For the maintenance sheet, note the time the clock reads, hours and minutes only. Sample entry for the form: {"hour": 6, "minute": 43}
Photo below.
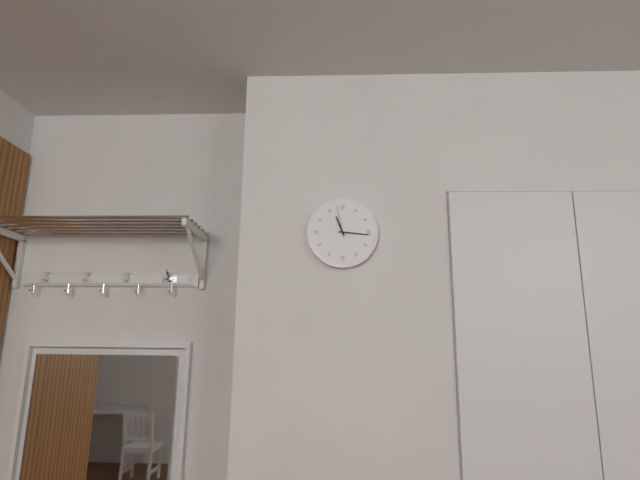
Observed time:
{"hour": 11, "minute": 16}
